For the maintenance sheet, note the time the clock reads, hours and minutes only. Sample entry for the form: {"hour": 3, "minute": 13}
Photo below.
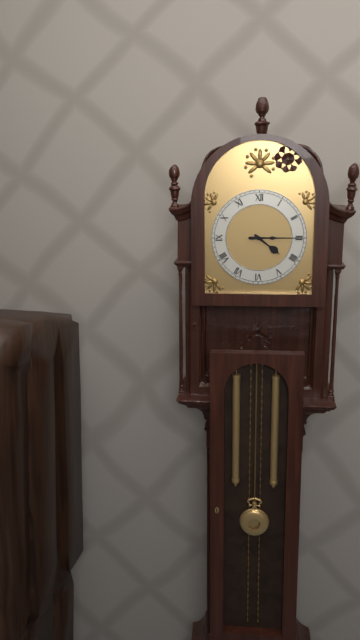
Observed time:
{"hour": 4, "minute": 15}
